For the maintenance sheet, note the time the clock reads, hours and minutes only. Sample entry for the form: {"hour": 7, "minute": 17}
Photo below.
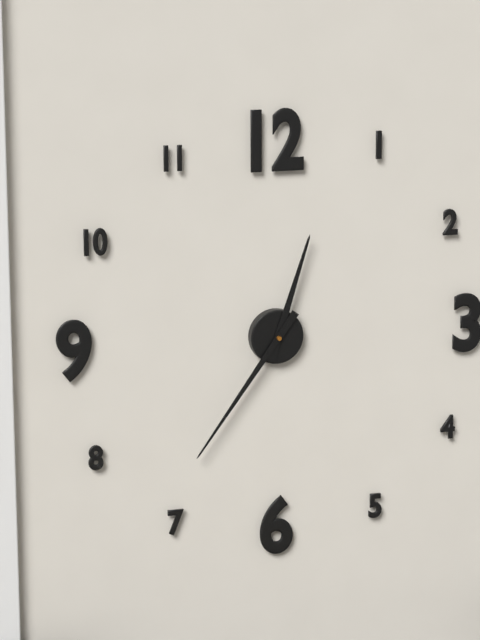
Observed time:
{"hour": 12, "minute": 36}
